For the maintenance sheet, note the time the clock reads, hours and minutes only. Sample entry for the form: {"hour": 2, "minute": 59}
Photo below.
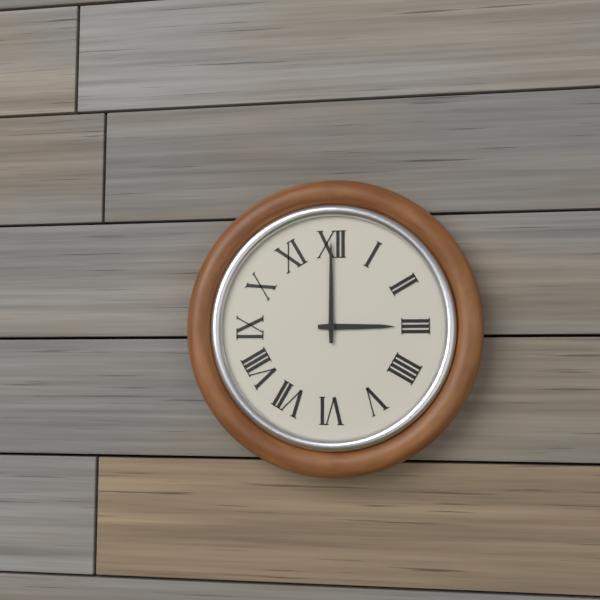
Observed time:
{"hour": 3, "minute": 0}
